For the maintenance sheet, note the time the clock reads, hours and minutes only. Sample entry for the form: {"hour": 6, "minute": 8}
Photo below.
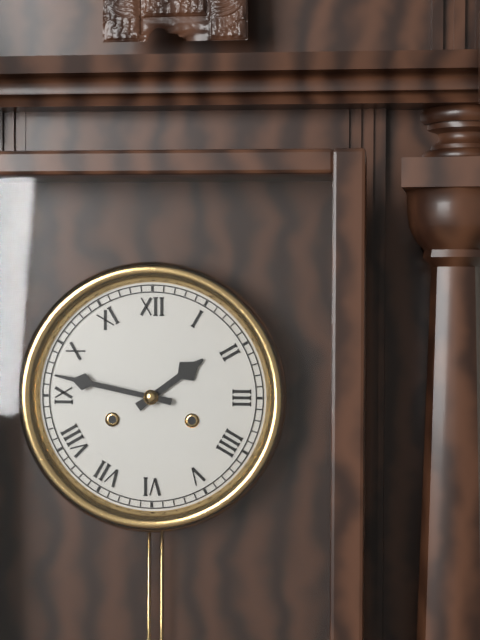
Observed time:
{"hour": 1, "minute": 47}
